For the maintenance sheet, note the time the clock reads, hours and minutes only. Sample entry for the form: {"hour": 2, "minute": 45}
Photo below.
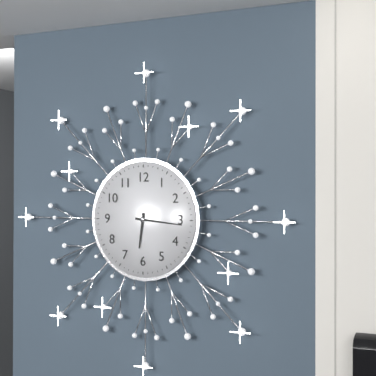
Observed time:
{"hour": 6, "minute": 16}
